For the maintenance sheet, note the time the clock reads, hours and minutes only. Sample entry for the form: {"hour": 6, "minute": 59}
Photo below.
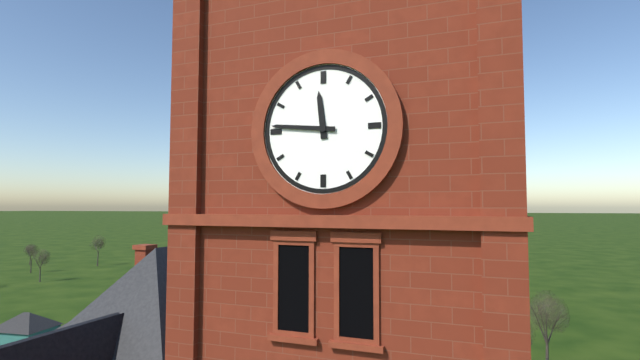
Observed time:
{"hour": 11, "minute": 46}
